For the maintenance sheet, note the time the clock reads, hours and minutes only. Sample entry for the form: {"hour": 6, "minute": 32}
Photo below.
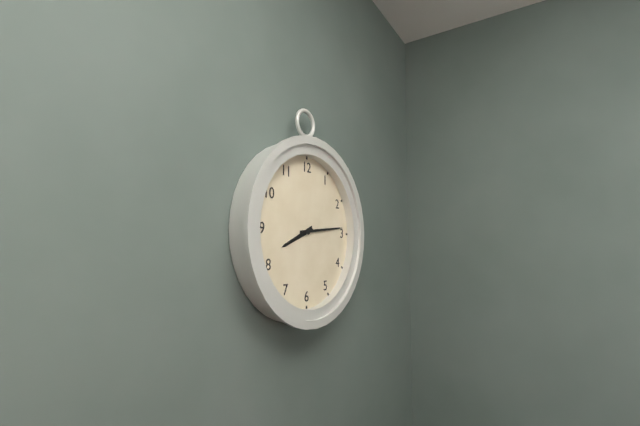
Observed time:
{"hour": 8, "minute": 14}
